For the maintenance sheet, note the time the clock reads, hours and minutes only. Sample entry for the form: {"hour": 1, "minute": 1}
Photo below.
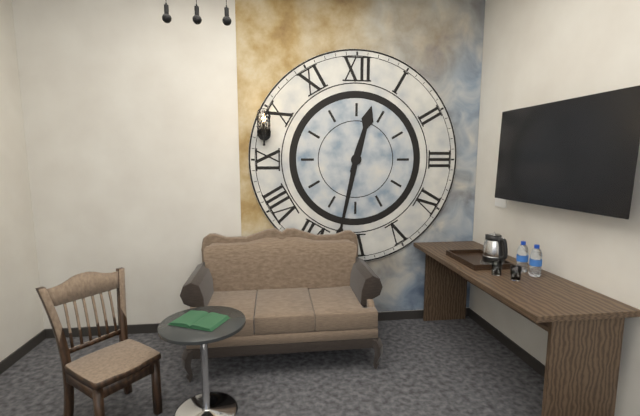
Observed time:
{"hour": 12, "minute": 32}
